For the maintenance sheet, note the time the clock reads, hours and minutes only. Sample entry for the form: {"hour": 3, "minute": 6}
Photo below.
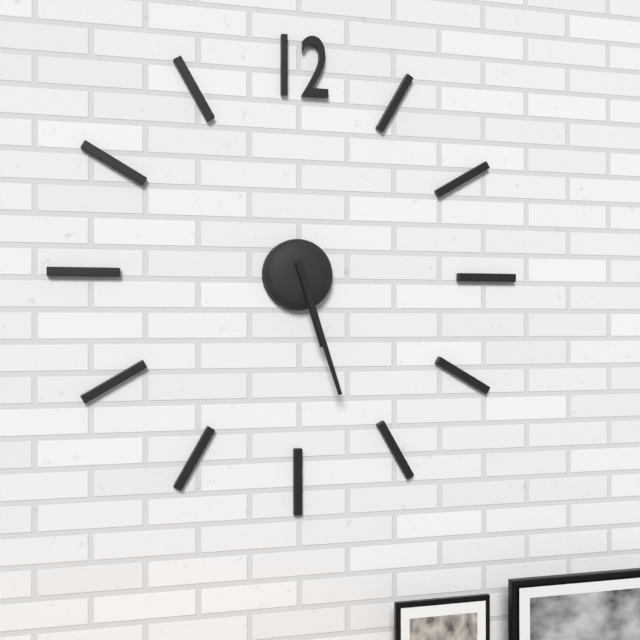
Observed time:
{"hour": 5, "minute": 27}
